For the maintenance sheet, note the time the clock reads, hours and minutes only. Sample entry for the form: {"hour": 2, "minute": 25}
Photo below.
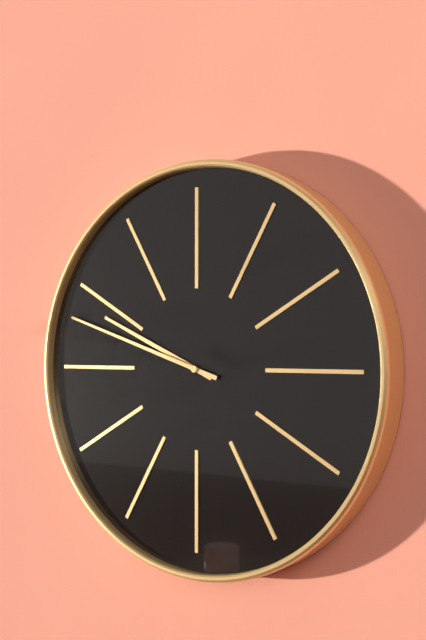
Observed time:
{"hour": 9, "minute": 48}
